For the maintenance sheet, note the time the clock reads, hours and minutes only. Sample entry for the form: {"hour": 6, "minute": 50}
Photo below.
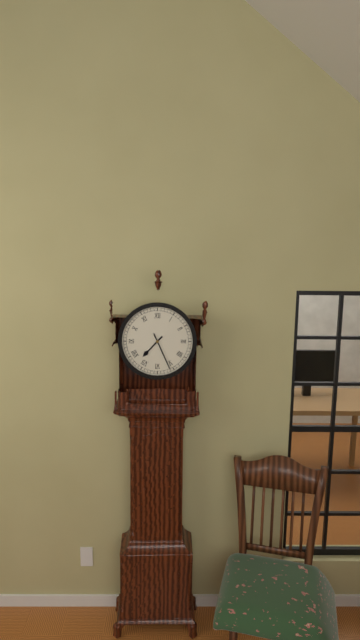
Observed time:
{"hour": 7, "minute": 26}
